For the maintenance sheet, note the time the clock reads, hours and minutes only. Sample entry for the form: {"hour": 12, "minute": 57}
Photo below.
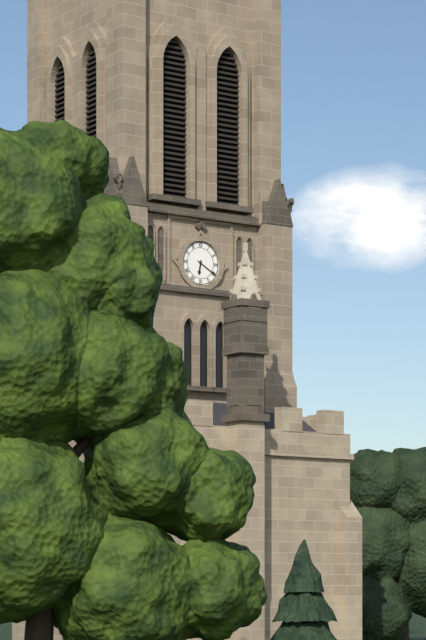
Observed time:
{"hour": 6, "minute": 20}
